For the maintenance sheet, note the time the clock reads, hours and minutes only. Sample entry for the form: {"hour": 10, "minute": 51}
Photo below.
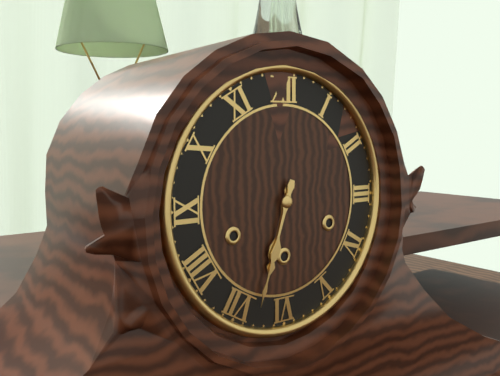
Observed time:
{"hour": 6, "minute": 33}
